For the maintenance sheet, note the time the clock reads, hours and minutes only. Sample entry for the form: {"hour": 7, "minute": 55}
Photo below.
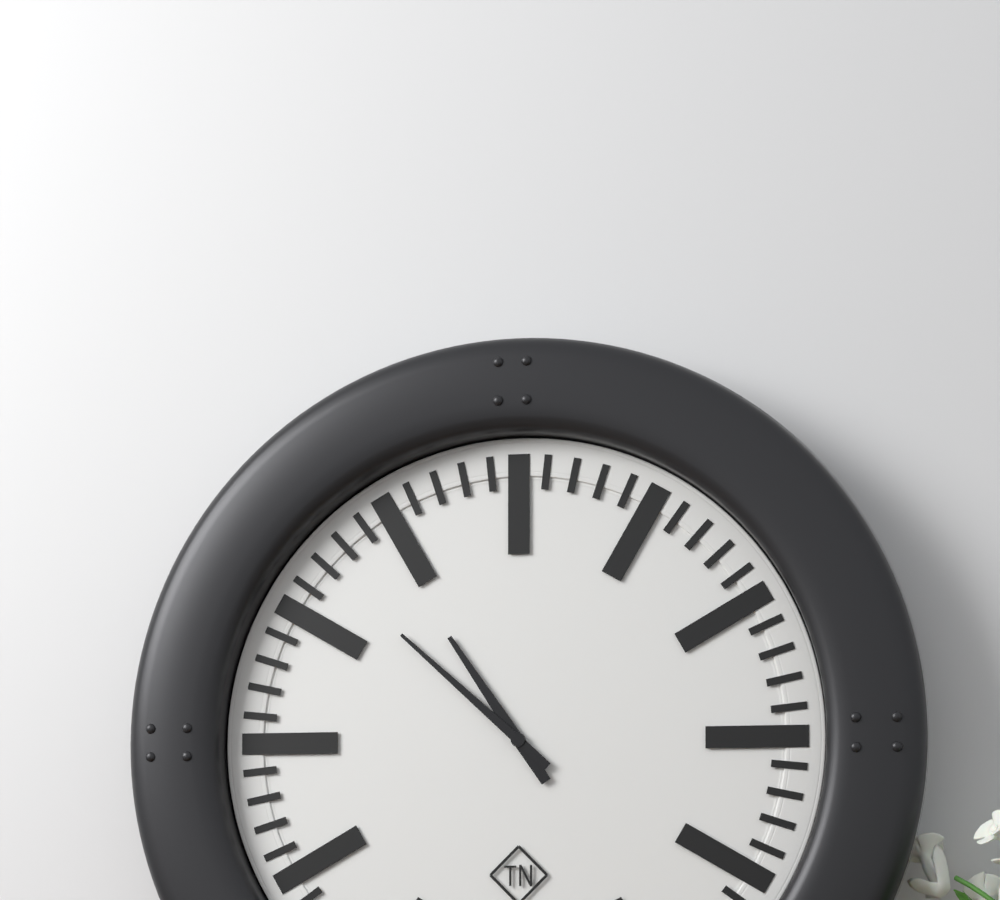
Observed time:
{"hour": 10, "minute": 52}
